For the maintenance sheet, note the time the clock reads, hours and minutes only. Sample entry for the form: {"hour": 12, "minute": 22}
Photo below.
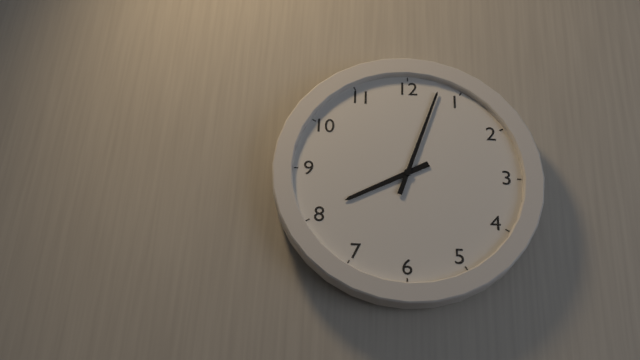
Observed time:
{"hour": 8, "minute": 3}
